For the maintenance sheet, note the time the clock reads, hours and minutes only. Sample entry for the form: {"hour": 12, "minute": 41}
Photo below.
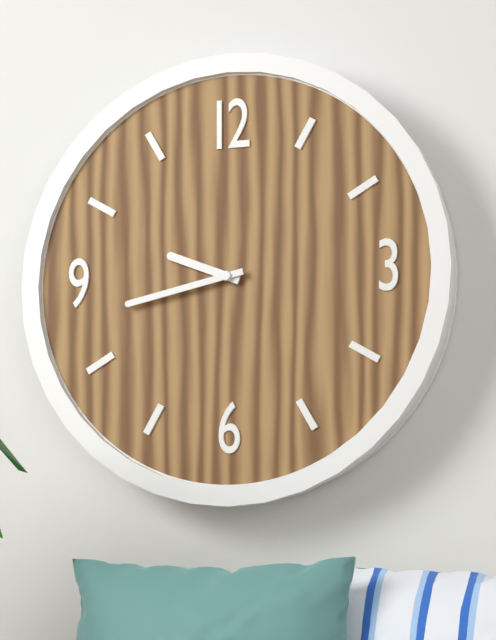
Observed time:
{"hour": 9, "minute": 43}
